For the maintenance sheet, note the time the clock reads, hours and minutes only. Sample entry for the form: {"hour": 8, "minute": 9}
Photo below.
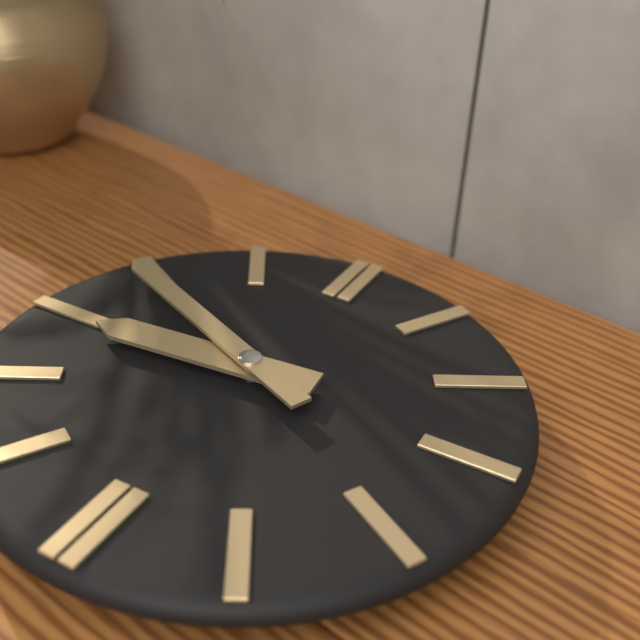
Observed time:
{"hour": 8, "minute": 49}
